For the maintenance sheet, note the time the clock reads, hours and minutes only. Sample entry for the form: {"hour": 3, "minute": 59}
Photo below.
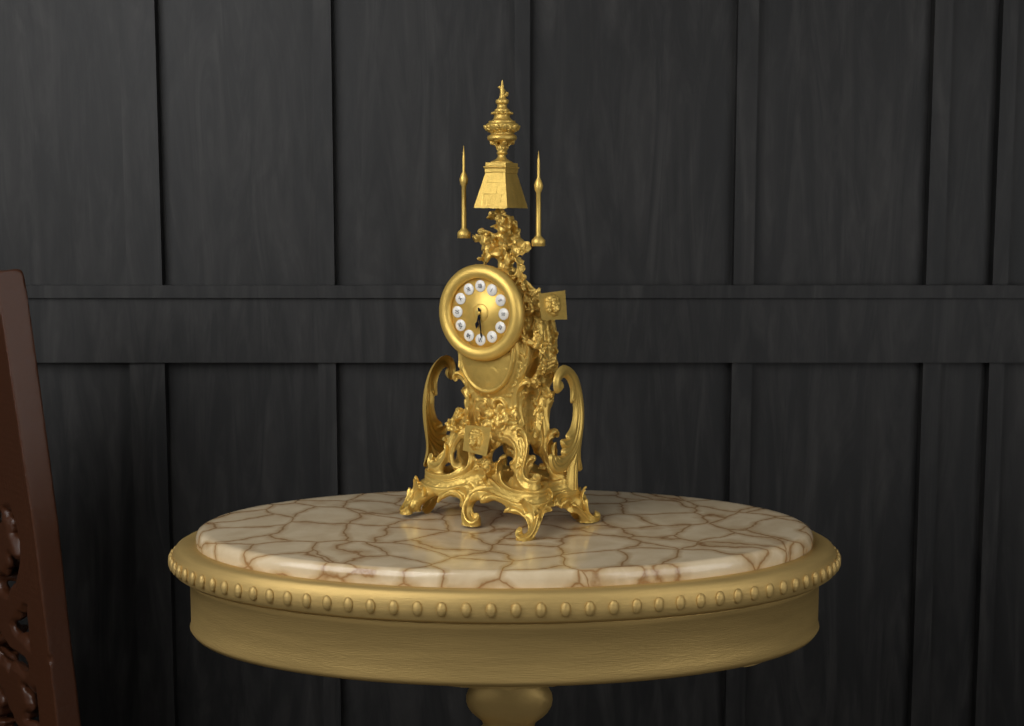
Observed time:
{"hour": 6, "minute": 29}
